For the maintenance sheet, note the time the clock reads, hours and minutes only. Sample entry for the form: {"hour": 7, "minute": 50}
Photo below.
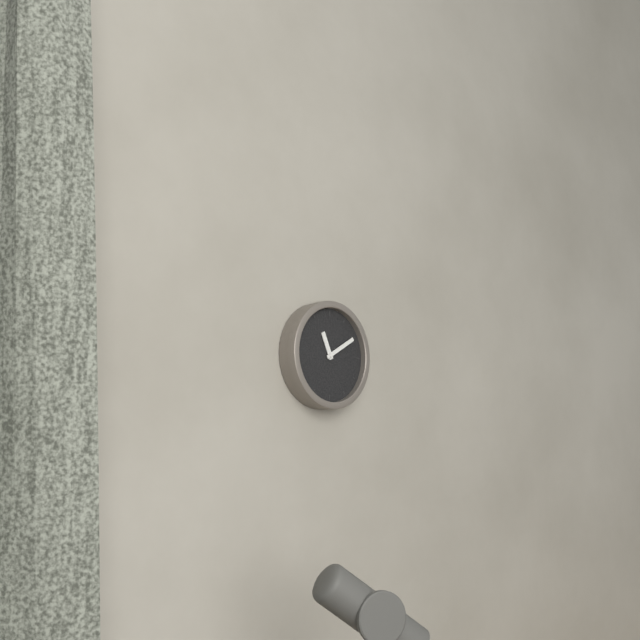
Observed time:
{"hour": 11, "minute": 10}
